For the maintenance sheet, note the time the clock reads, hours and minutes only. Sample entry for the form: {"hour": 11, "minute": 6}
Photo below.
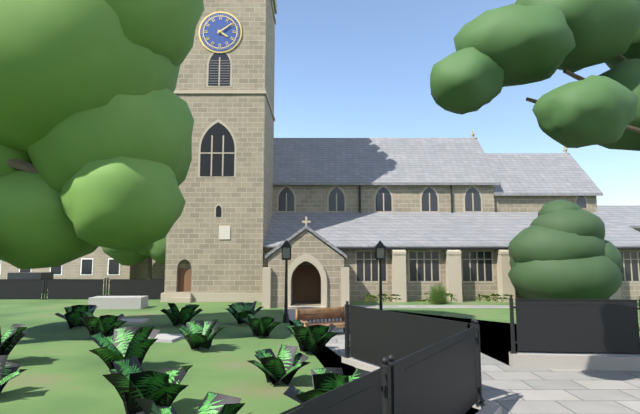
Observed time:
{"hour": 4, "minute": 9}
